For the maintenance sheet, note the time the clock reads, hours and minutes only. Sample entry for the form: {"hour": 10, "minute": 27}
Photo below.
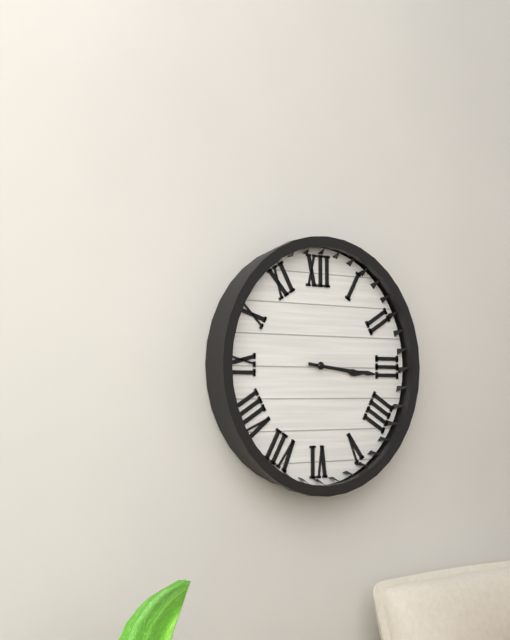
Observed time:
{"hour": 3, "minute": 16}
